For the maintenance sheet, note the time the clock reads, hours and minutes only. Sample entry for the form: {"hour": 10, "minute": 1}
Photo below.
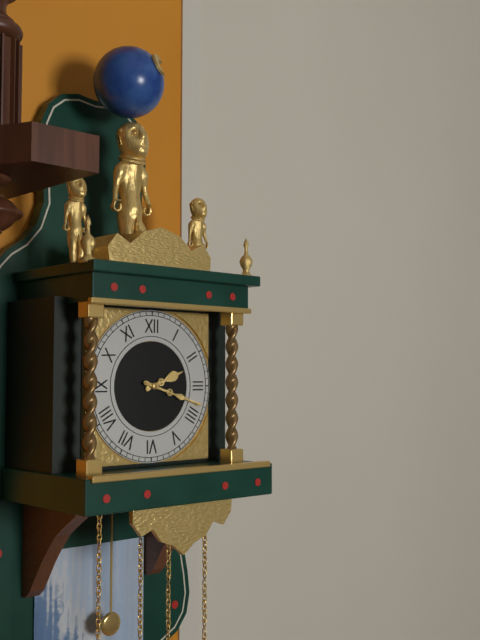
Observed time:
{"hour": 2, "minute": 18}
